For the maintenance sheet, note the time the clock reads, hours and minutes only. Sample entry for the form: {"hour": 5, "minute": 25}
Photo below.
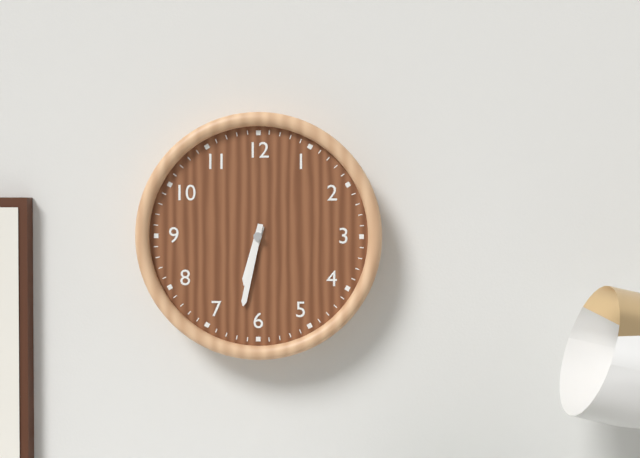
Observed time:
{"hour": 6, "minute": 32}
